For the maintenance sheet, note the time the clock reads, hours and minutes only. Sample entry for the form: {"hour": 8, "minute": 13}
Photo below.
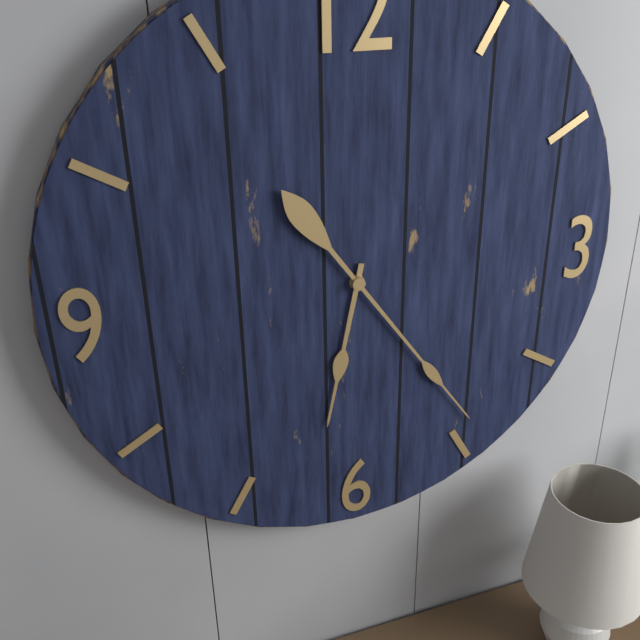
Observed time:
{"hour": 6, "minute": 24}
